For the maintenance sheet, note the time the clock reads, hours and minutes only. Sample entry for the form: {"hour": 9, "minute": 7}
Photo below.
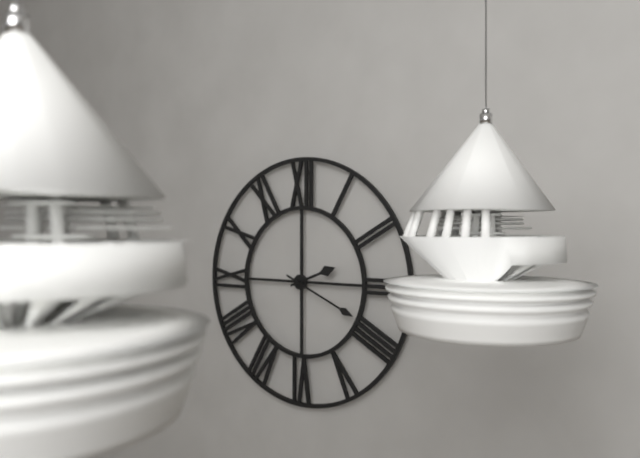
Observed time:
{"hour": 2, "minute": 19}
